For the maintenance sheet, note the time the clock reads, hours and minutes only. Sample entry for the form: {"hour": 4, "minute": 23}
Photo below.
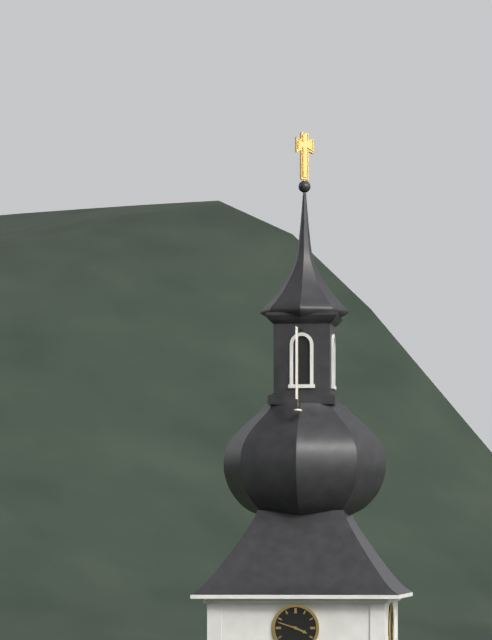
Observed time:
{"hour": 3, "minute": 48}
